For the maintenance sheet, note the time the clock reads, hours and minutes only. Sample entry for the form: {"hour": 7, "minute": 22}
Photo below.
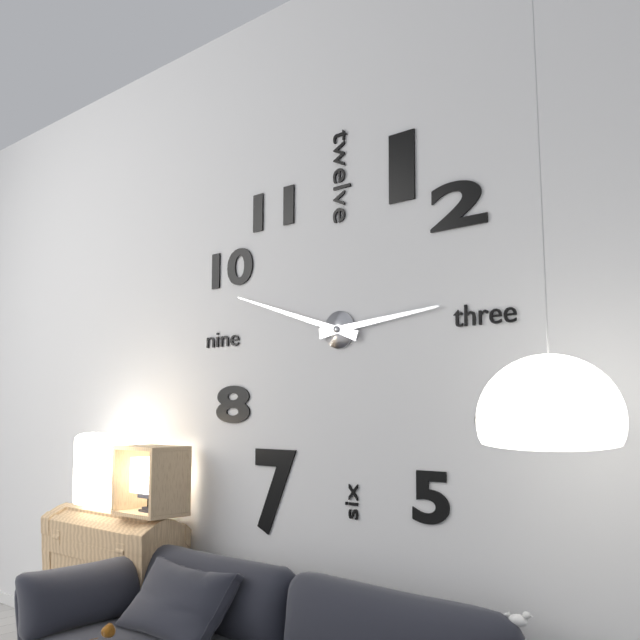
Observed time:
{"hour": 2, "minute": 48}
